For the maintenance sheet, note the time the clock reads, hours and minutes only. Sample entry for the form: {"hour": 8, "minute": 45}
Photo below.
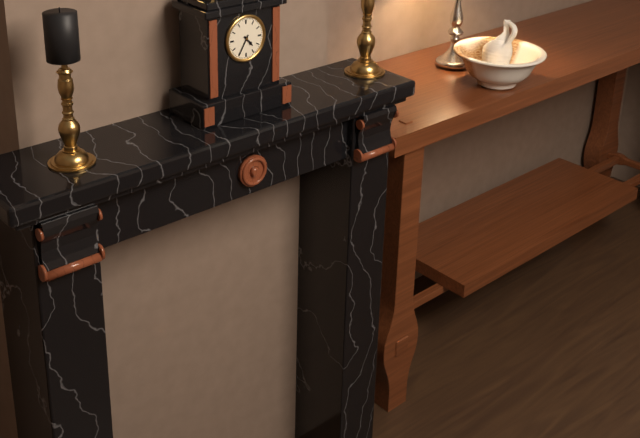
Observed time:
{"hour": 4, "minute": 35}
